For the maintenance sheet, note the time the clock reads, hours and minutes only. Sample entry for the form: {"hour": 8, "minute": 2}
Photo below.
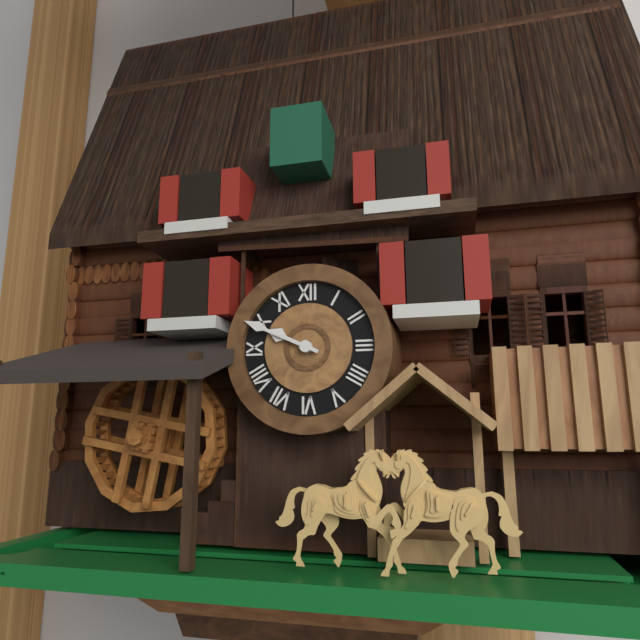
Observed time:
{"hour": 9, "minute": 49}
